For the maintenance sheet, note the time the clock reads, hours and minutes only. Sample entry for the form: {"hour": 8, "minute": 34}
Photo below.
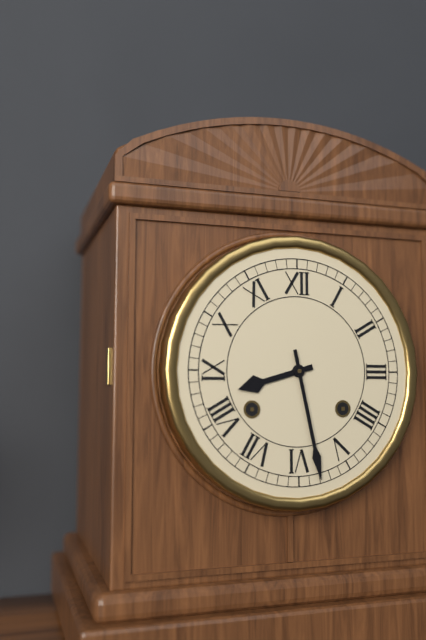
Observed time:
{"hour": 8, "minute": 28}
